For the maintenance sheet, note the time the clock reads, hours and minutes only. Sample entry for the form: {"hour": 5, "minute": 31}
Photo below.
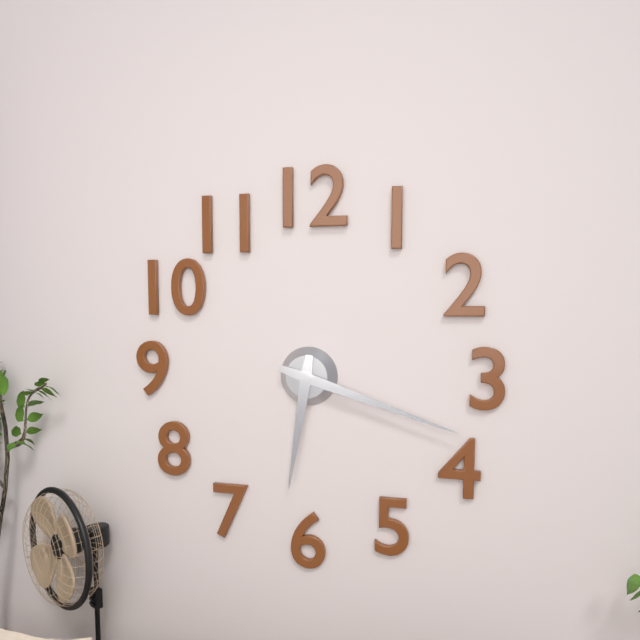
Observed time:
{"hour": 6, "minute": 18}
